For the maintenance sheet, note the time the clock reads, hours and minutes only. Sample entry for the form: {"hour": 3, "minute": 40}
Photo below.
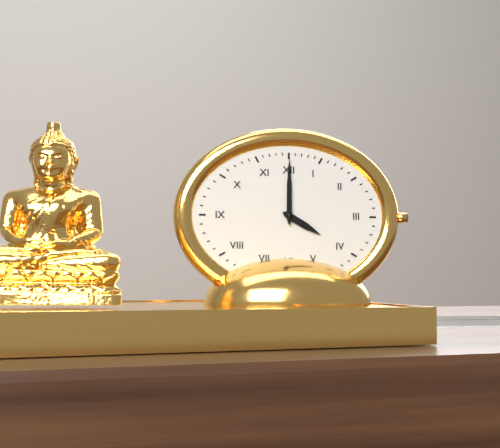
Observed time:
{"hour": 4, "minute": 0}
